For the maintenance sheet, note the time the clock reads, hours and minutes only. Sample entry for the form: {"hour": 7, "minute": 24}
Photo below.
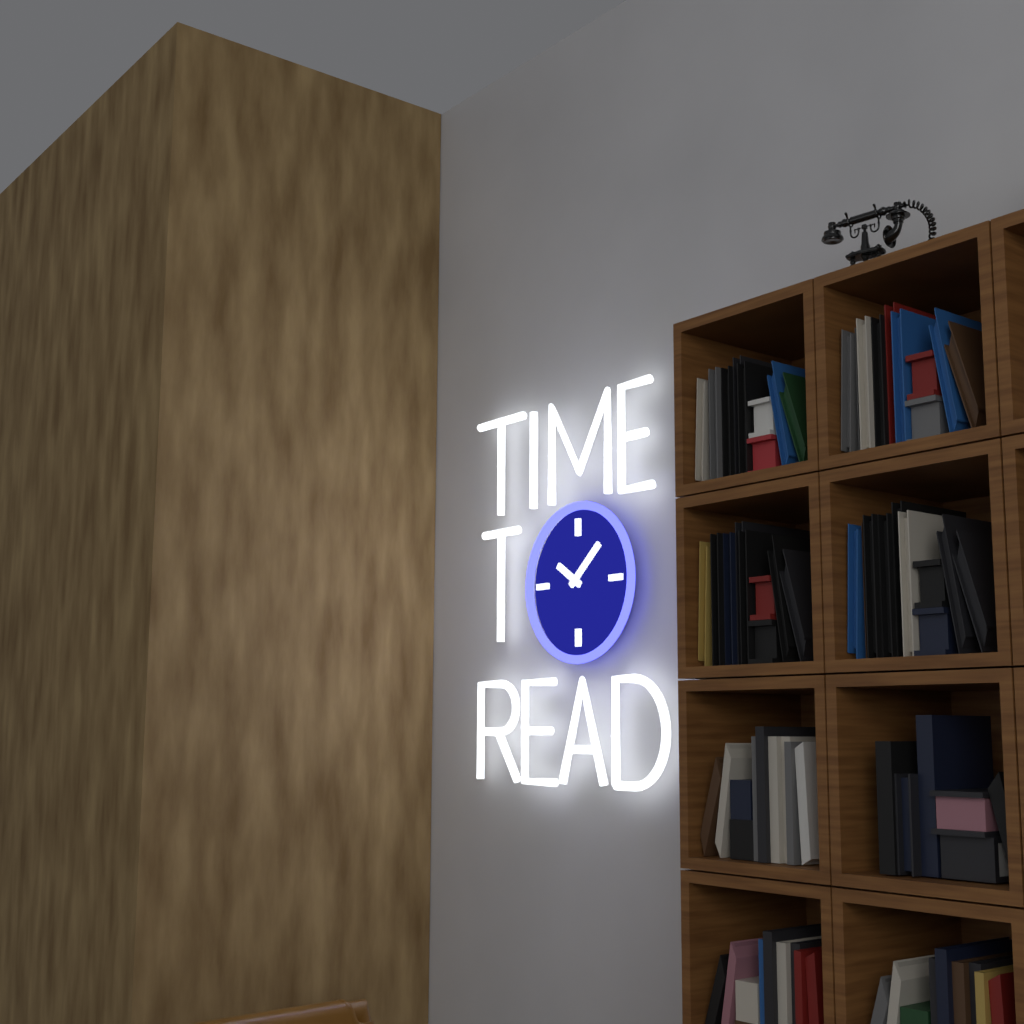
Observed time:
{"hour": 10, "minute": 8}
